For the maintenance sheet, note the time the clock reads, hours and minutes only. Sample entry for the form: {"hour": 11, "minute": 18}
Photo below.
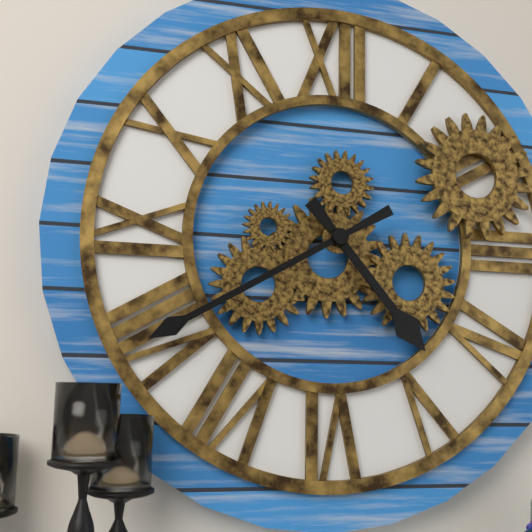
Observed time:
{"hour": 4, "minute": 40}
